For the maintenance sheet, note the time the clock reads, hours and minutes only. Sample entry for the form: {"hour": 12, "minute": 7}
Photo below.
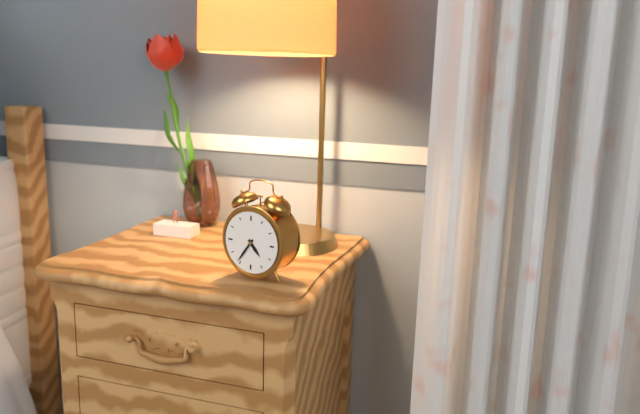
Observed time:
{"hour": 4, "minute": 36}
